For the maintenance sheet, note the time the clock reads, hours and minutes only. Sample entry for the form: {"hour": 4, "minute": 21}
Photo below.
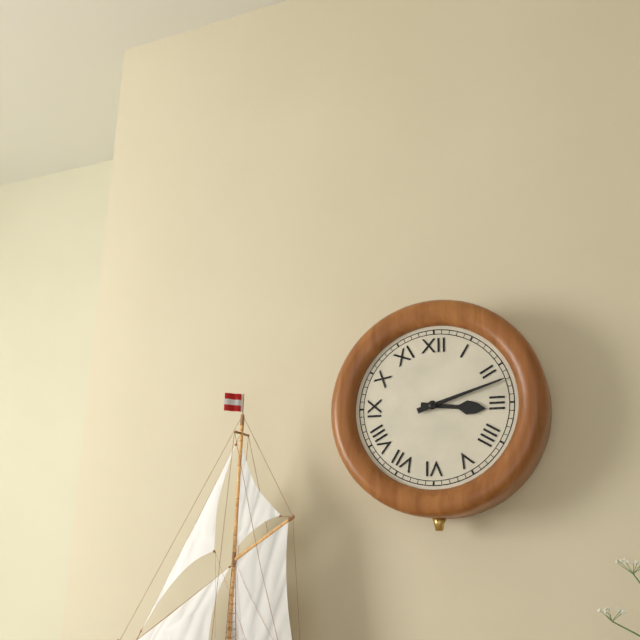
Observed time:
{"hour": 3, "minute": 12}
